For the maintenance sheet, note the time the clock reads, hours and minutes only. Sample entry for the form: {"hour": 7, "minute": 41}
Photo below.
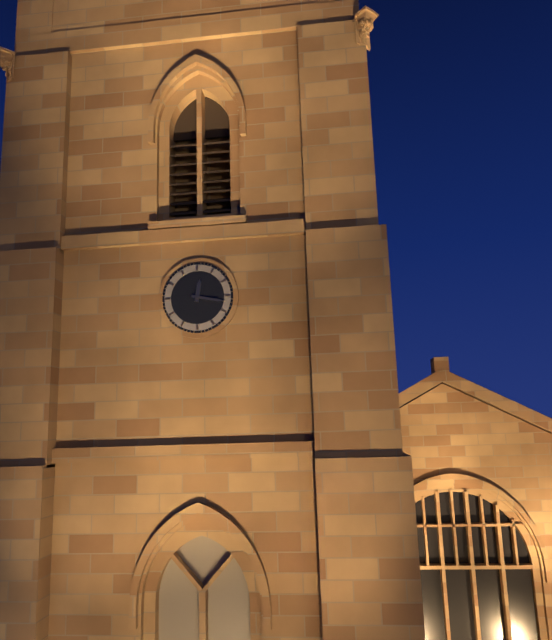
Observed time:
{"hour": 12, "minute": 17}
